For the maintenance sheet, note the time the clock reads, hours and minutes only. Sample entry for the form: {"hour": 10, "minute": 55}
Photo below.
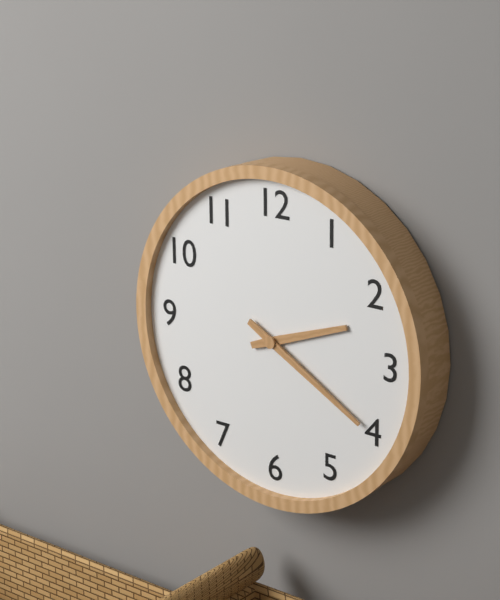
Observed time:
{"hour": 2, "minute": 20}
